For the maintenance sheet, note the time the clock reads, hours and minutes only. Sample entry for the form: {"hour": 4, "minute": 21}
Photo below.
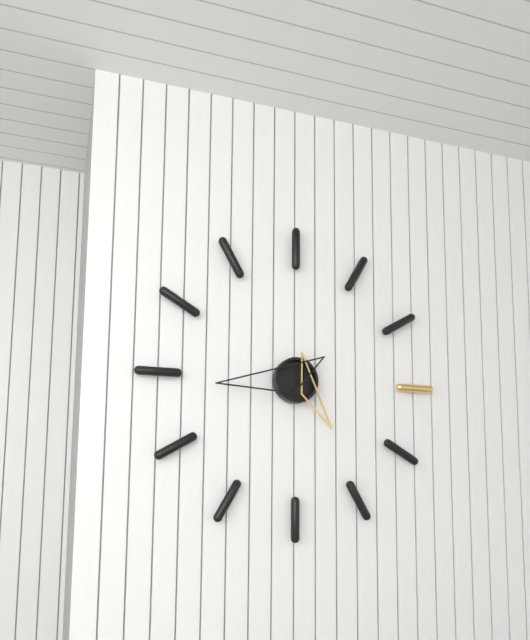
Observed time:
{"hour": 4, "minute": 44}
